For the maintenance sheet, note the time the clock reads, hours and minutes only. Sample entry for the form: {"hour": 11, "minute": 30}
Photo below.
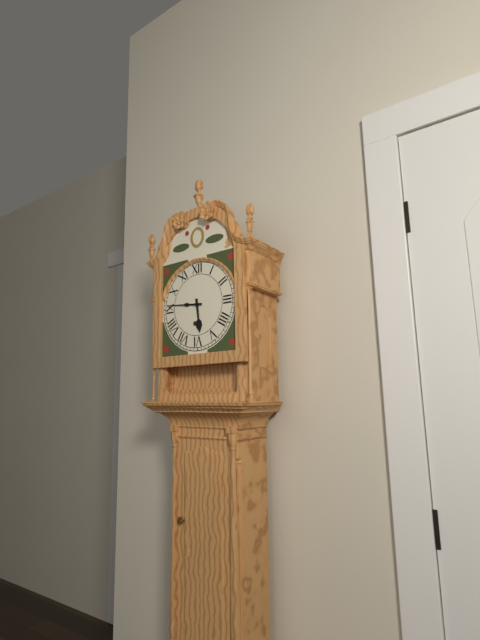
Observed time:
{"hour": 5, "minute": 46}
